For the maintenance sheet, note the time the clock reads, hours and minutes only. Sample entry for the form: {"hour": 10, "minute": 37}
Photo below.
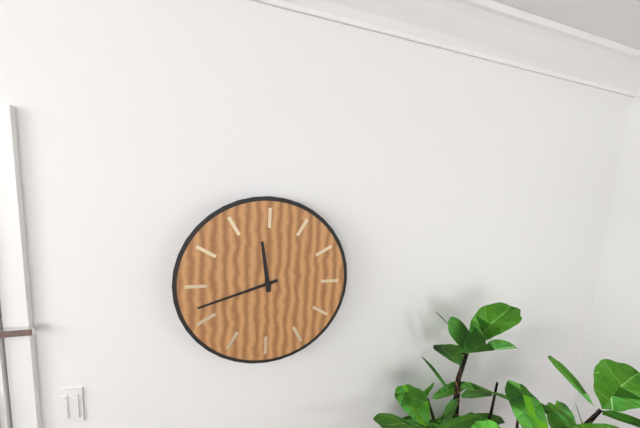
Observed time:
{"hour": 11, "minute": 42}
